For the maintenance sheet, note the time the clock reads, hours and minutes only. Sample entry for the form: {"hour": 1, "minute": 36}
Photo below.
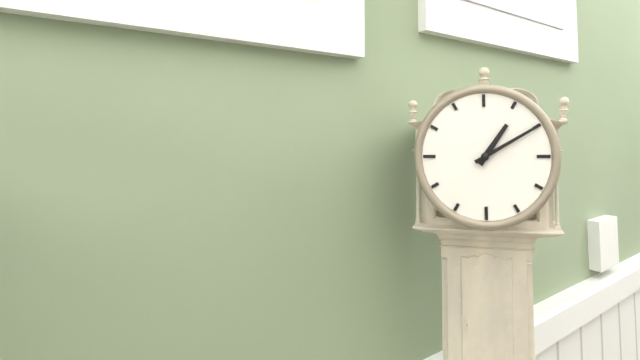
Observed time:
{"hour": 1, "minute": 10}
